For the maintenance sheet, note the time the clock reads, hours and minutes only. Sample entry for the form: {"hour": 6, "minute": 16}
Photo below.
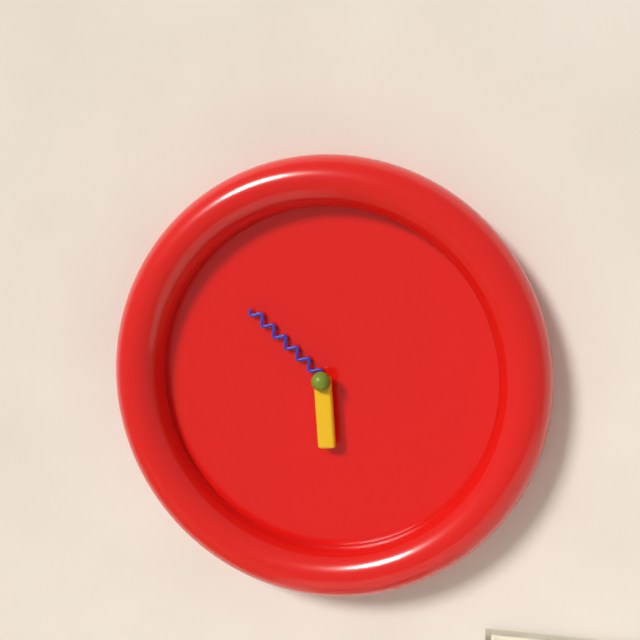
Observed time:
{"hour": 5, "minute": 52}
